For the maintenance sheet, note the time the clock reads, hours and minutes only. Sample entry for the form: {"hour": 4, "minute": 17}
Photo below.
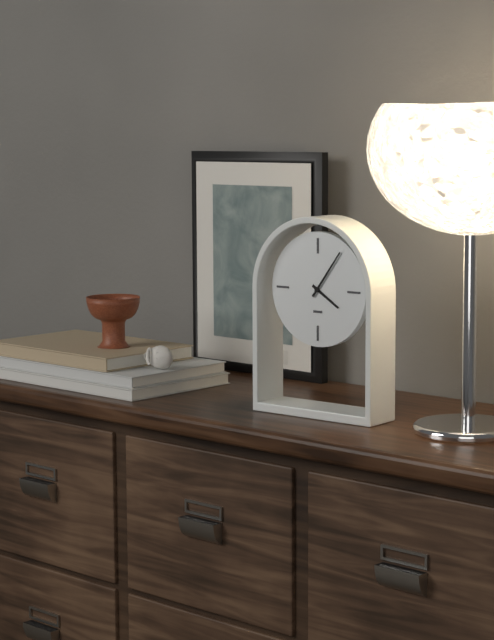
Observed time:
{"hour": 4, "minute": 6}
